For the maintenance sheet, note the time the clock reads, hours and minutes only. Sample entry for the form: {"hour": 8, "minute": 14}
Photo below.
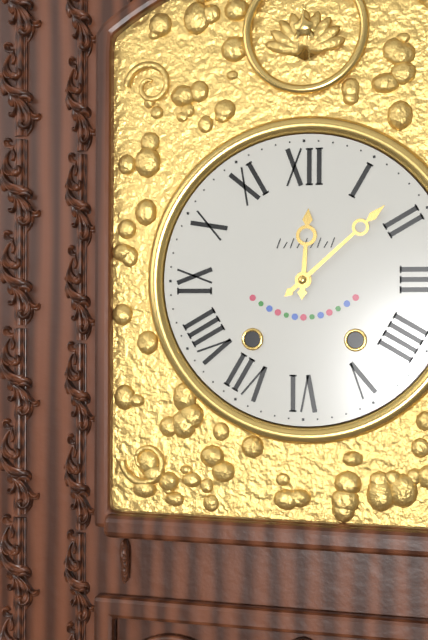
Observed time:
{"hour": 12, "minute": 8}
